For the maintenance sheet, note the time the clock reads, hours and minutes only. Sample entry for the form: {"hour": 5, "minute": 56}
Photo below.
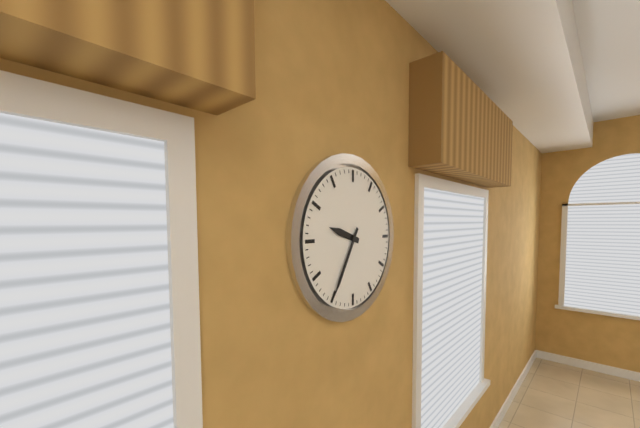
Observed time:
{"hour": 9, "minute": 35}
